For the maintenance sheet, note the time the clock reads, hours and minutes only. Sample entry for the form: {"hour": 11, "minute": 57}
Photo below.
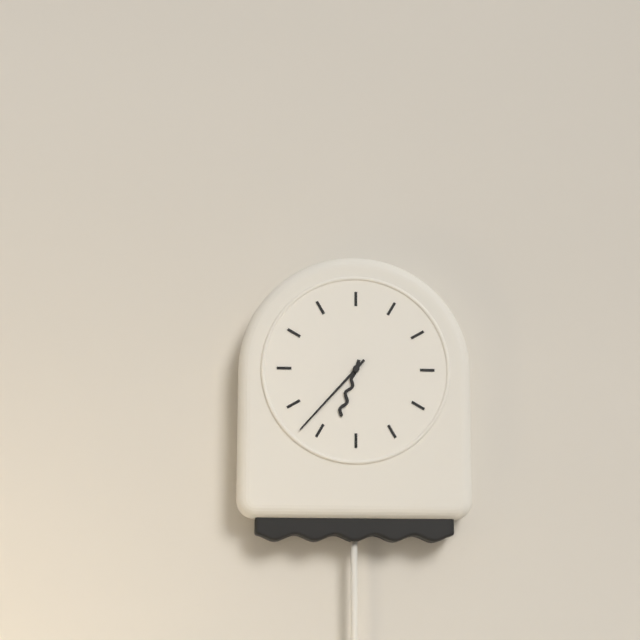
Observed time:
{"hour": 6, "minute": 37}
